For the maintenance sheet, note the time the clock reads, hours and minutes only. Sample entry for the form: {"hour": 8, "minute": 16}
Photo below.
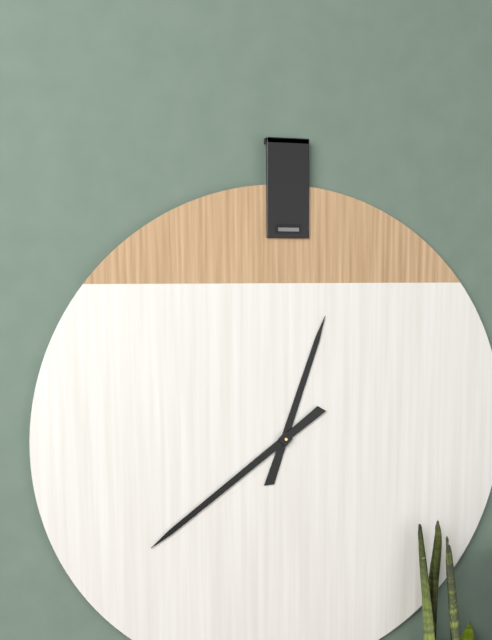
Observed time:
{"hour": 12, "minute": 39}
